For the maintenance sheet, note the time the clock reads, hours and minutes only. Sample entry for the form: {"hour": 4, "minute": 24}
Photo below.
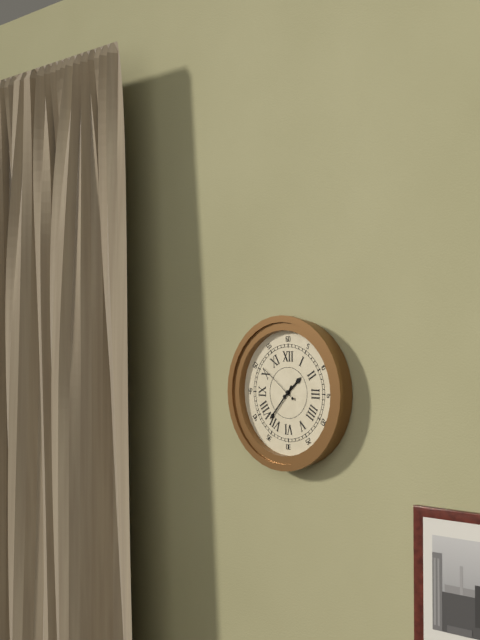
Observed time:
{"hour": 1, "minute": 37}
